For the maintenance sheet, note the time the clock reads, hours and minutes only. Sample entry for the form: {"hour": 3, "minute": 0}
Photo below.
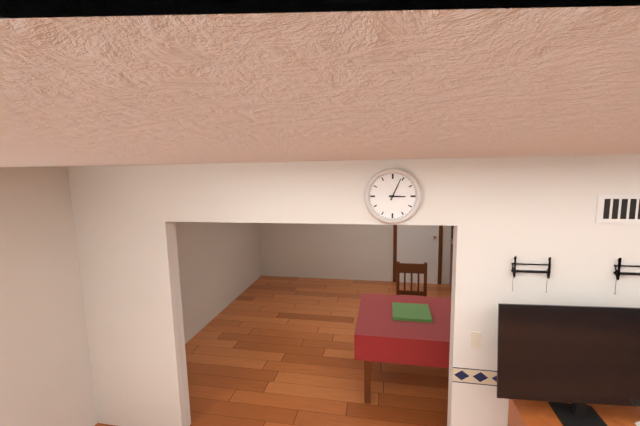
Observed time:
{"hour": 3, "minute": 4}
